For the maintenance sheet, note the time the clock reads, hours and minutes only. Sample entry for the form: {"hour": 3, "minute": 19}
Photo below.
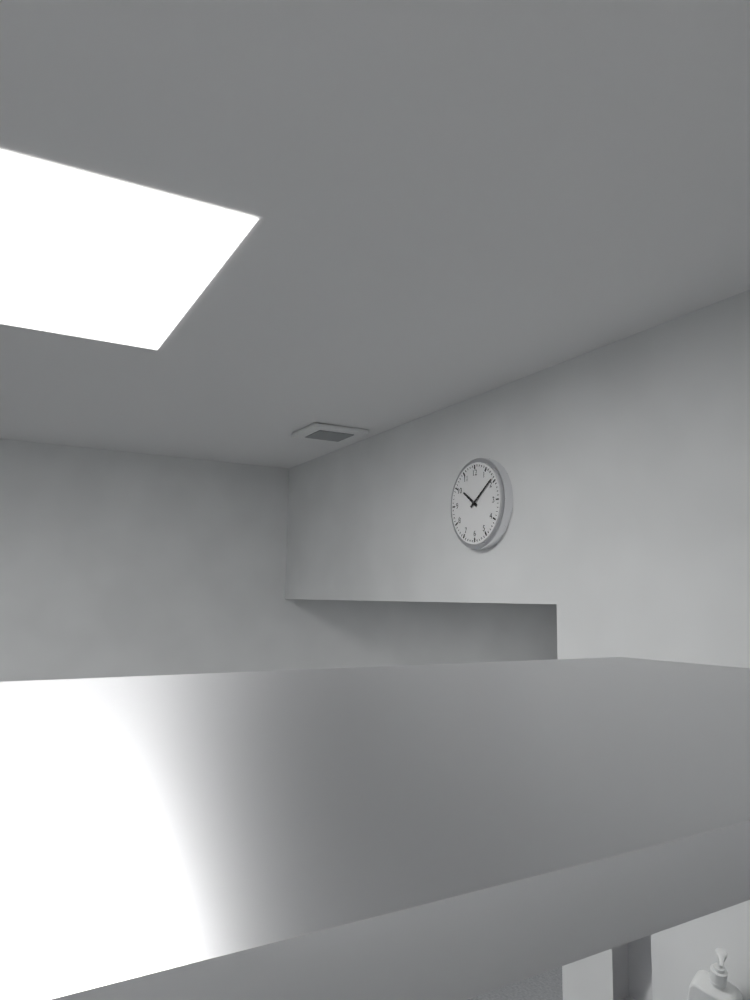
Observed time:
{"hour": 10, "minute": 9}
